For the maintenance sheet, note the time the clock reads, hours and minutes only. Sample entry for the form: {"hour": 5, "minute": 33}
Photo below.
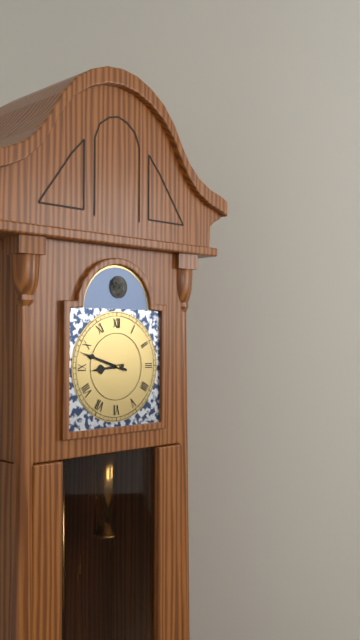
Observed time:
{"hour": 8, "minute": 48}
